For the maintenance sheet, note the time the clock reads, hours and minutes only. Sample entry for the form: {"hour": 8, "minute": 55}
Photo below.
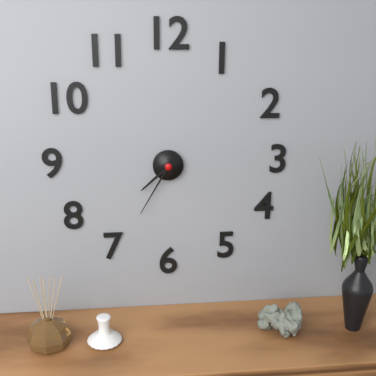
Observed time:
{"hour": 7, "minute": 35}
